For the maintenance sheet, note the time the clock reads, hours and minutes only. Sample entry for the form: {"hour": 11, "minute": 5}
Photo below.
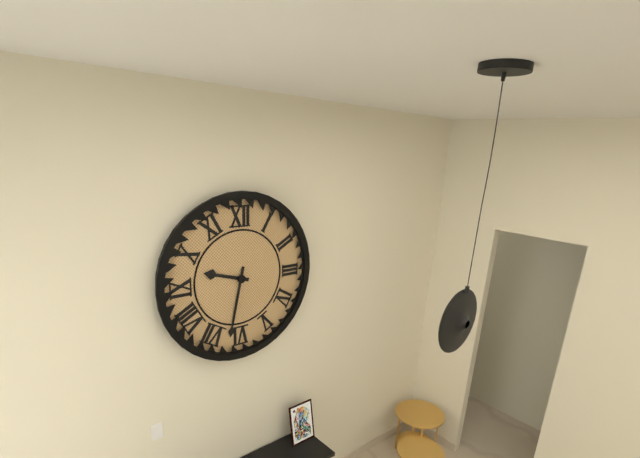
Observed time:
{"hour": 9, "minute": 32}
